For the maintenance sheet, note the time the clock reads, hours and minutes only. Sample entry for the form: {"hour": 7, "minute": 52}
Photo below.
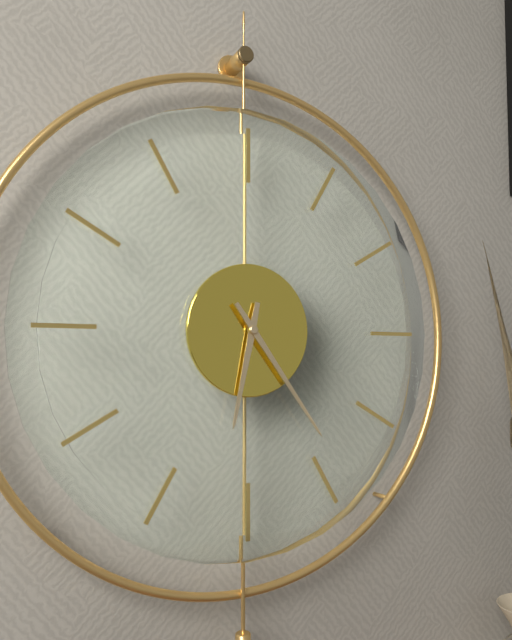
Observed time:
{"hour": 6, "minute": 24}
